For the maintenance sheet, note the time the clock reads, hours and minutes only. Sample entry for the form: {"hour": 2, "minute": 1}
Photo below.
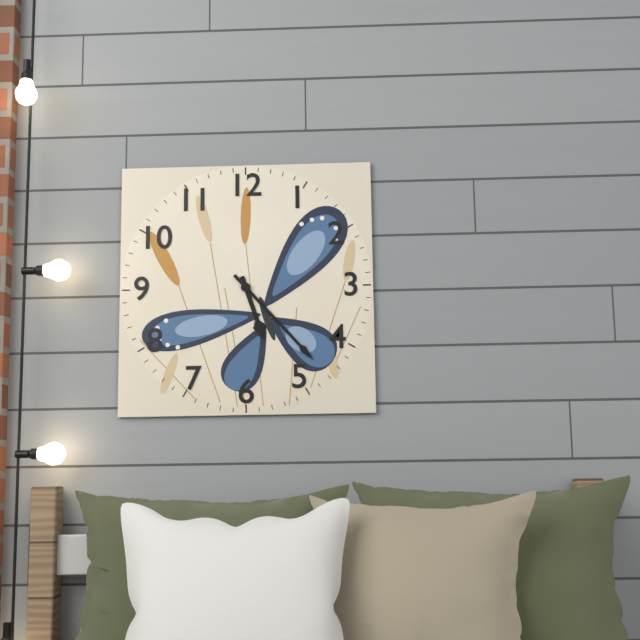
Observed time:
{"hour": 5, "minute": 23}
